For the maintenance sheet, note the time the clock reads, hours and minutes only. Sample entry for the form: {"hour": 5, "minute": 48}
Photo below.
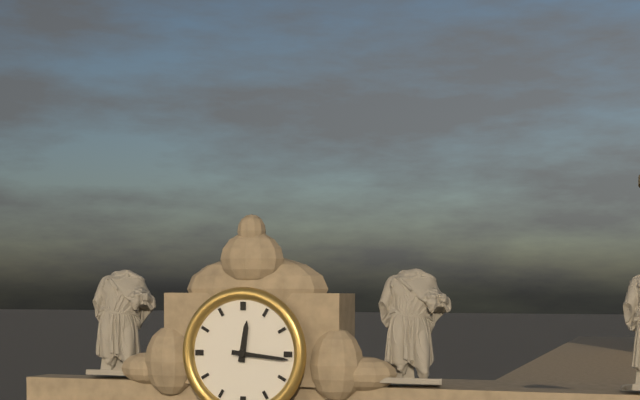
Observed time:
{"hour": 12, "minute": 16}
